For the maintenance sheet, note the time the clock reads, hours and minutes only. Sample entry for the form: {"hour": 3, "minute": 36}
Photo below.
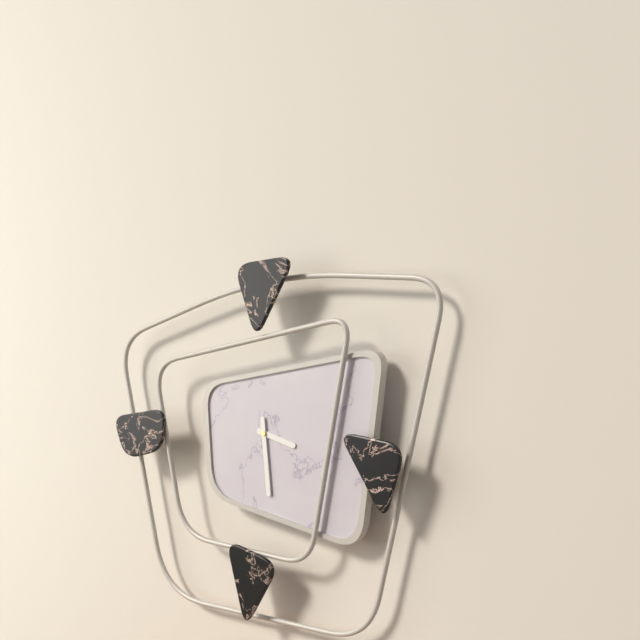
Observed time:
{"hour": 3, "minute": 29}
